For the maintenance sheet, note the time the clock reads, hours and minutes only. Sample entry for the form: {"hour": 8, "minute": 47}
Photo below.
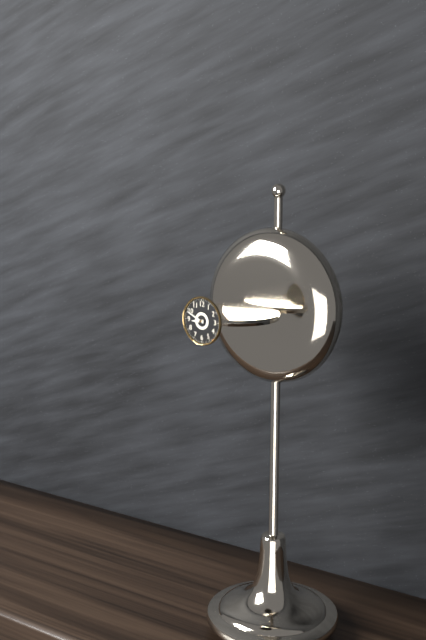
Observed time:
{"hour": 8, "minute": 49}
